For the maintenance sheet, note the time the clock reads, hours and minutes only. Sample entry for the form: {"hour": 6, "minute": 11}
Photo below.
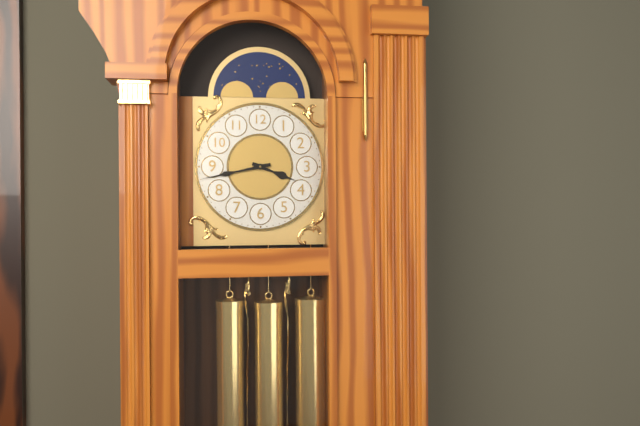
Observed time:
{"hour": 3, "minute": 43}
